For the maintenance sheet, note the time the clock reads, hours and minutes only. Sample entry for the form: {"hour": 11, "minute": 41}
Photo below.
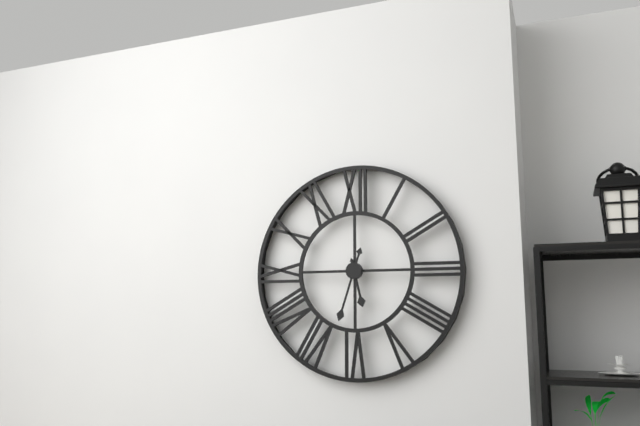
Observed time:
{"hour": 5, "minute": 33}
